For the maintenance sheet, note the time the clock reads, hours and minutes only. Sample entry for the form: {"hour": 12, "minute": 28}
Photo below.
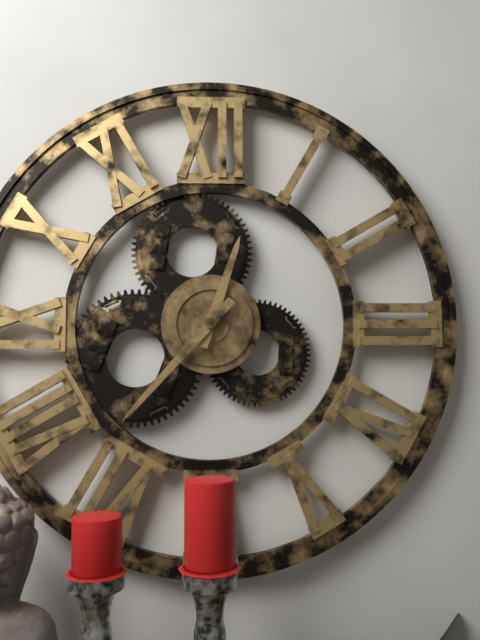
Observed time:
{"hour": 12, "minute": 37}
